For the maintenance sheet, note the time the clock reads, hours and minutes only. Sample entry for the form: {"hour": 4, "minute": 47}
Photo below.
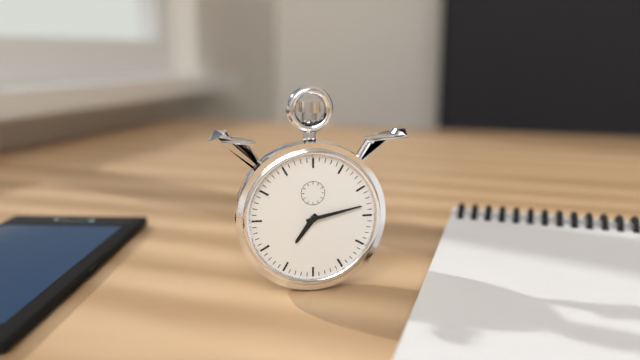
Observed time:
{"hour": 7, "minute": 13}
